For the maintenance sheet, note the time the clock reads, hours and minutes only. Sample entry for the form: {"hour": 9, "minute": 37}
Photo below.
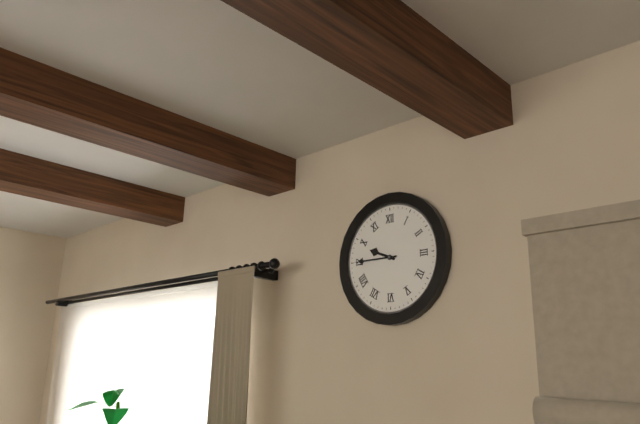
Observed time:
{"hour": 9, "minute": 45}
